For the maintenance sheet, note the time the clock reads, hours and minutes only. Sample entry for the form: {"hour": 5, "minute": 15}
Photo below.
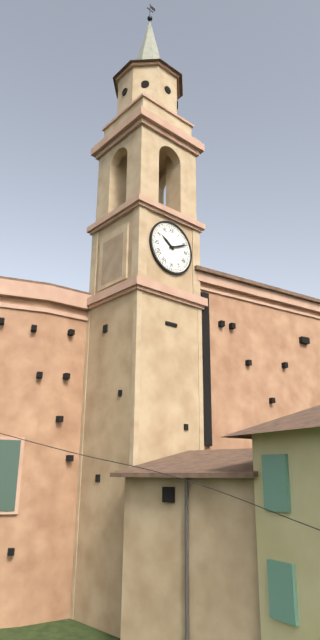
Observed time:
{"hour": 10, "minute": 11}
